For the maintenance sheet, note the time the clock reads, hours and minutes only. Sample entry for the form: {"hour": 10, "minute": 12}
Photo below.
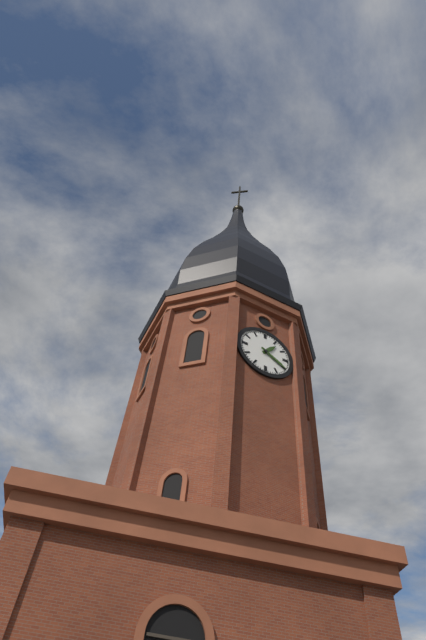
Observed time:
{"hour": 1, "minute": 20}
